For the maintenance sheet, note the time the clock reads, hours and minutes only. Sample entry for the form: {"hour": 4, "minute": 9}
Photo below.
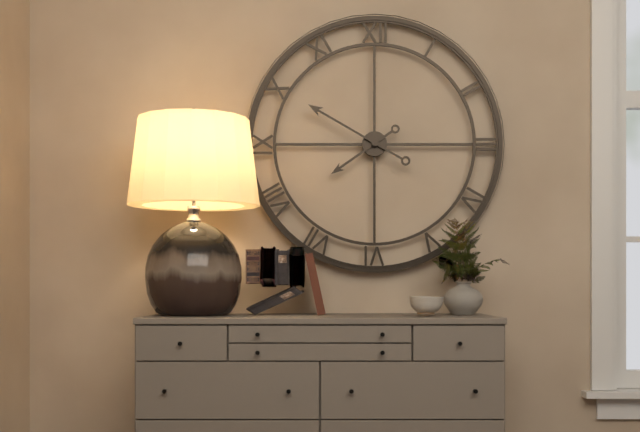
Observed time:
{"hour": 7, "minute": 50}
